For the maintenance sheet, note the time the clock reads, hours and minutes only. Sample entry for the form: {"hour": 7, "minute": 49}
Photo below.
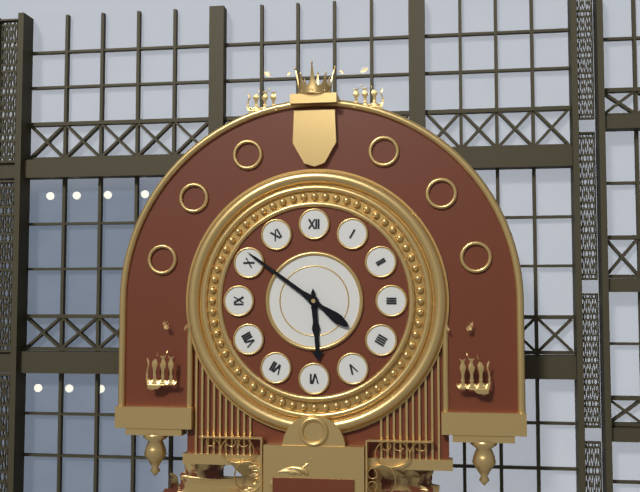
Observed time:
{"hour": 5, "minute": 51}
